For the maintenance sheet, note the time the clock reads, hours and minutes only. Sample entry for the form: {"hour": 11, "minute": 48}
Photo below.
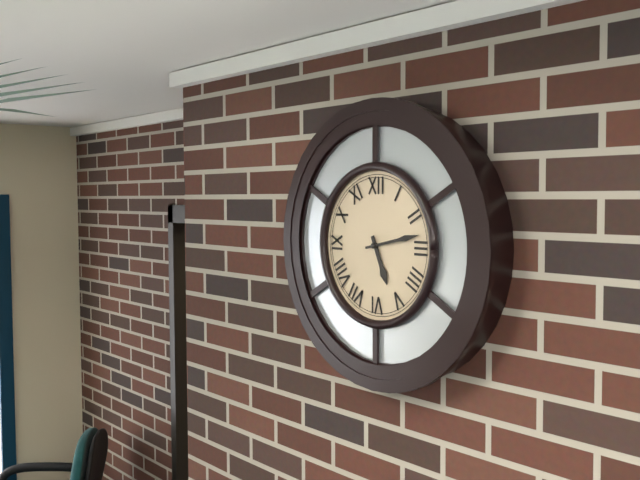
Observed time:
{"hour": 5, "minute": 13}
